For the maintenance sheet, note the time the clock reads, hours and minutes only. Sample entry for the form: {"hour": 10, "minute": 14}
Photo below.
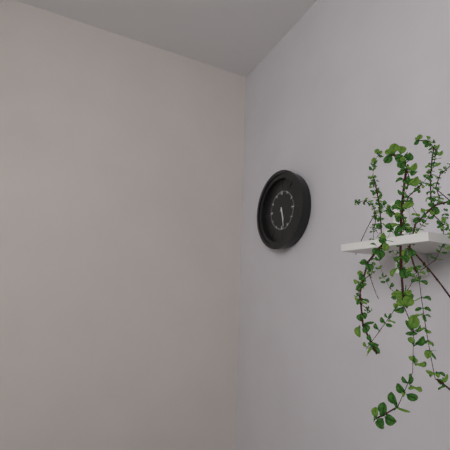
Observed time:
{"hour": 5, "minute": 28}
